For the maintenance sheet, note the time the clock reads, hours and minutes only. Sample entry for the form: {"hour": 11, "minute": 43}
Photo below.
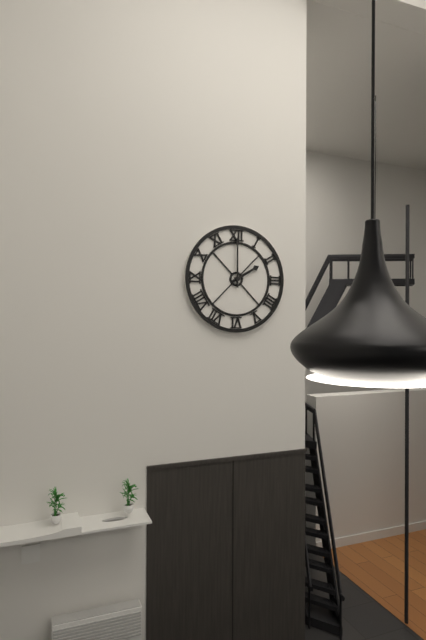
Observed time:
{"hour": 2, "minute": 0}
